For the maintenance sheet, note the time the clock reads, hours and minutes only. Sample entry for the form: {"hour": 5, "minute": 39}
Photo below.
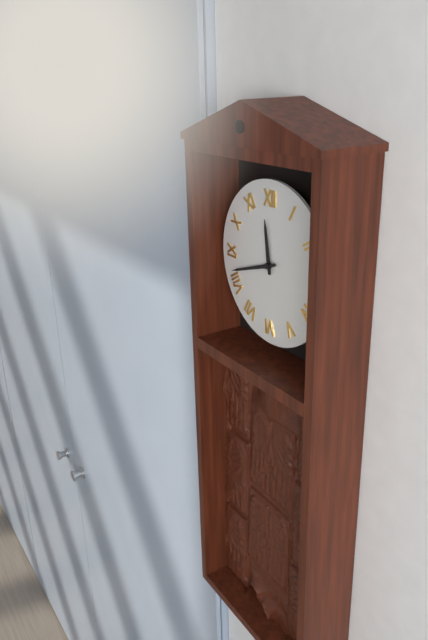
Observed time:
{"hour": 11, "minute": 42}
